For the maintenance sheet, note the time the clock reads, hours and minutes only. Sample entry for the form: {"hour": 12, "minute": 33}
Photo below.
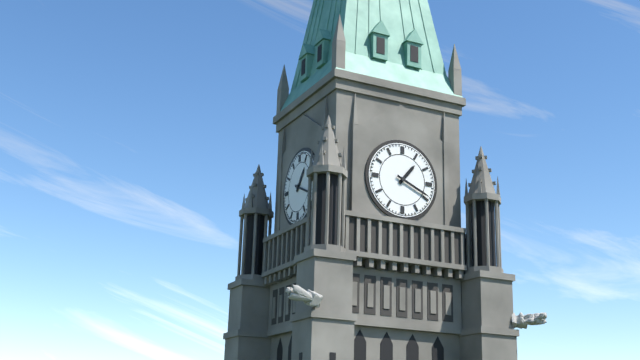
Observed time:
{"hour": 1, "minute": 19}
